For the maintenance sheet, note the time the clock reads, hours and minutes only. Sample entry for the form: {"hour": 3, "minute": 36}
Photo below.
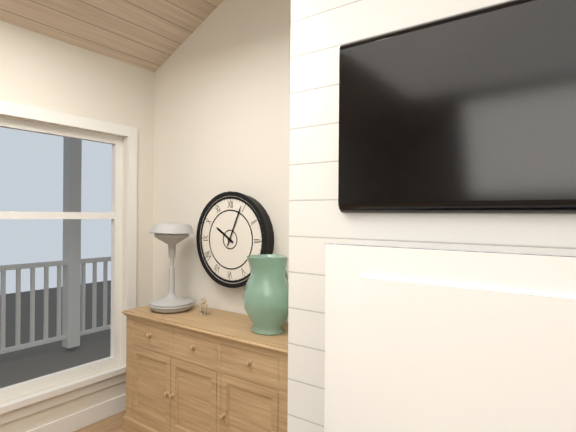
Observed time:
{"hour": 10, "minute": 4}
